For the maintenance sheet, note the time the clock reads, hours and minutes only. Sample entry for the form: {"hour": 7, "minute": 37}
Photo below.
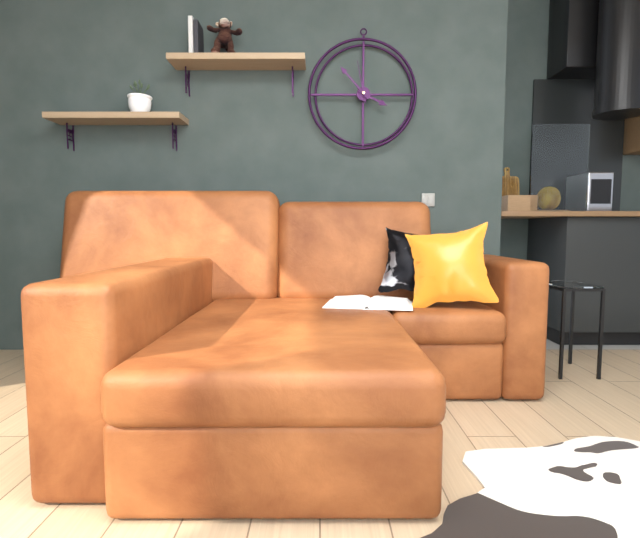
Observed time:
{"hour": 3, "minute": 53}
